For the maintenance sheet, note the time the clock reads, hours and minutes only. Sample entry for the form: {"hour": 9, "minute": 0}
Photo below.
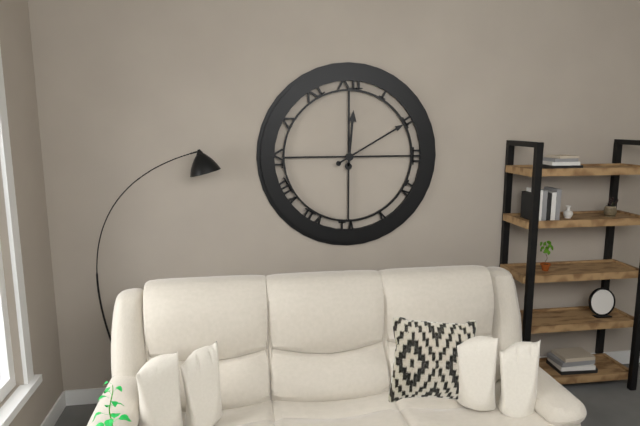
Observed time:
{"hour": 12, "minute": 10}
